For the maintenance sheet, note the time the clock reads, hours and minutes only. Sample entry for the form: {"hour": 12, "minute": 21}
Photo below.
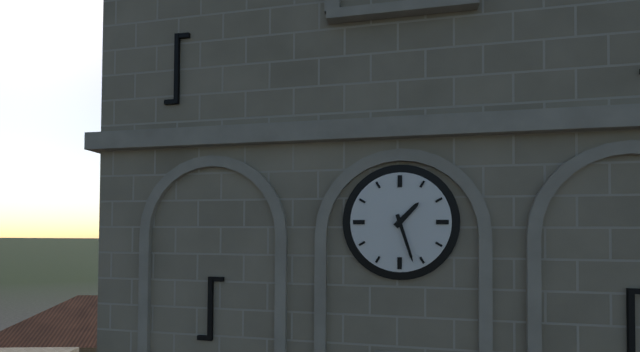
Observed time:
{"hour": 1, "minute": 27}
